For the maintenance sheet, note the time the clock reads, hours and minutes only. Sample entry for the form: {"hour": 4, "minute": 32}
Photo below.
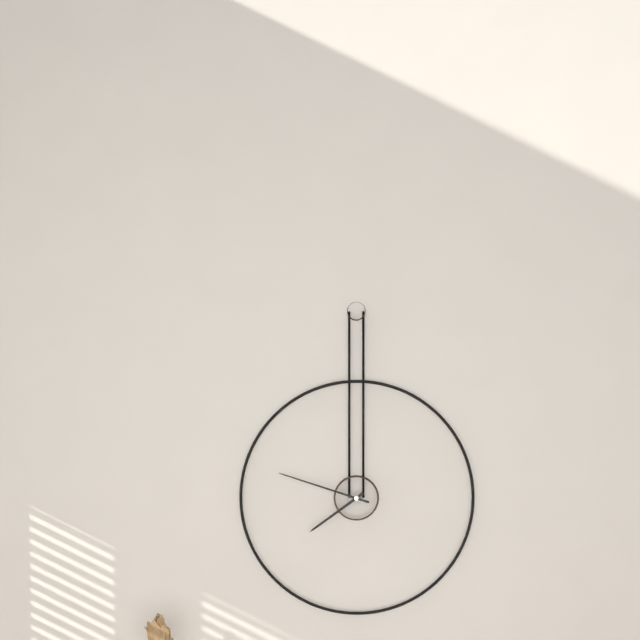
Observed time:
{"hour": 7, "minute": 48}
